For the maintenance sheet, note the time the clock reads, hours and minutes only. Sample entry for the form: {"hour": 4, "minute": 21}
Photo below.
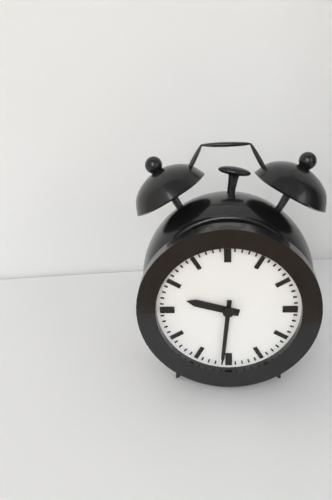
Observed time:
{"hour": 9, "minute": 31}
